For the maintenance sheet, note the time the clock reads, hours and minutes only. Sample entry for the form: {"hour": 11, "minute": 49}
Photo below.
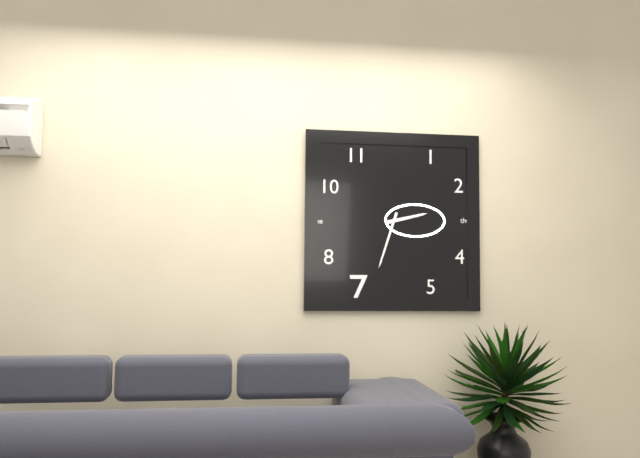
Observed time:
{"hour": 2, "minute": 33}
